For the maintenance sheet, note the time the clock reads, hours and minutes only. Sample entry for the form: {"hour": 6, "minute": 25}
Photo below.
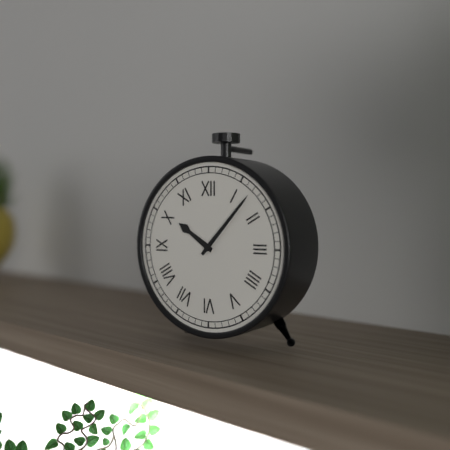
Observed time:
{"hour": 10, "minute": 7}
